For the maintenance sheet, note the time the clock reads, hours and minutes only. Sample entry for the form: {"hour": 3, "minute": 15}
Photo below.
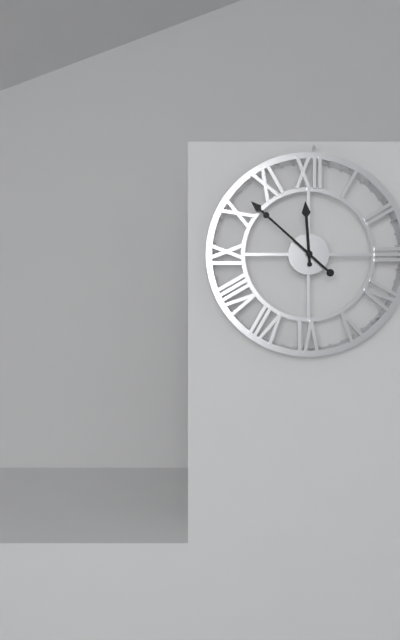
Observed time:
{"hour": 11, "minute": 52}
